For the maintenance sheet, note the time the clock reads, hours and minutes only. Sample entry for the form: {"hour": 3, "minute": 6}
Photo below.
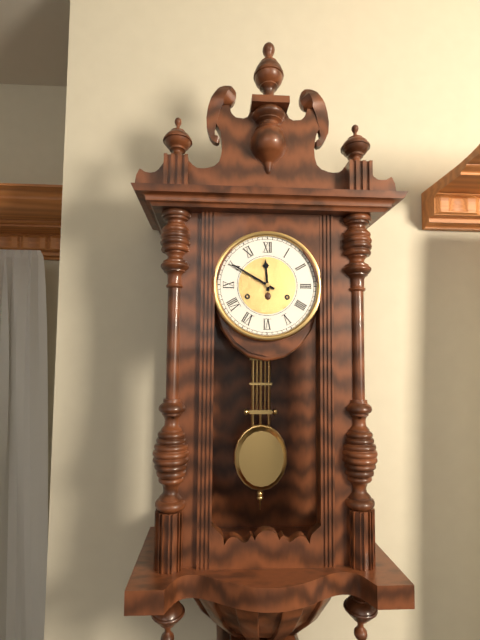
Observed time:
{"hour": 11, "minute": 50}
